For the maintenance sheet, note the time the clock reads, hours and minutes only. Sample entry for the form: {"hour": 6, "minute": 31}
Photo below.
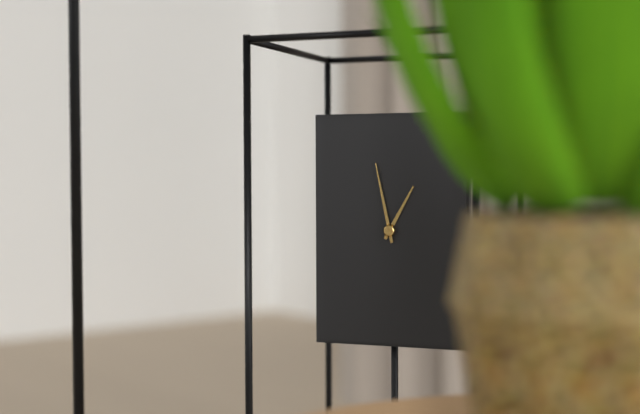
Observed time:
{"hour": 12, "minute": 58}
